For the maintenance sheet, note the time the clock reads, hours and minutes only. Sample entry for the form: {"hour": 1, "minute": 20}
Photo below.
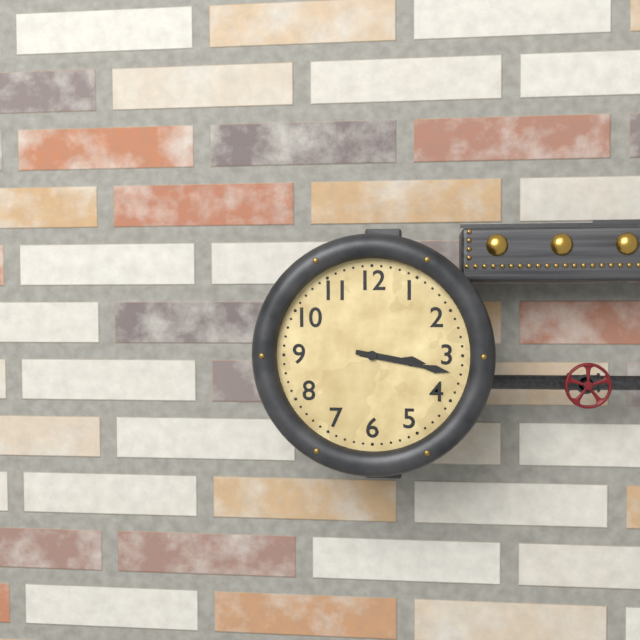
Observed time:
{"hour": 3, "minute": 17}
